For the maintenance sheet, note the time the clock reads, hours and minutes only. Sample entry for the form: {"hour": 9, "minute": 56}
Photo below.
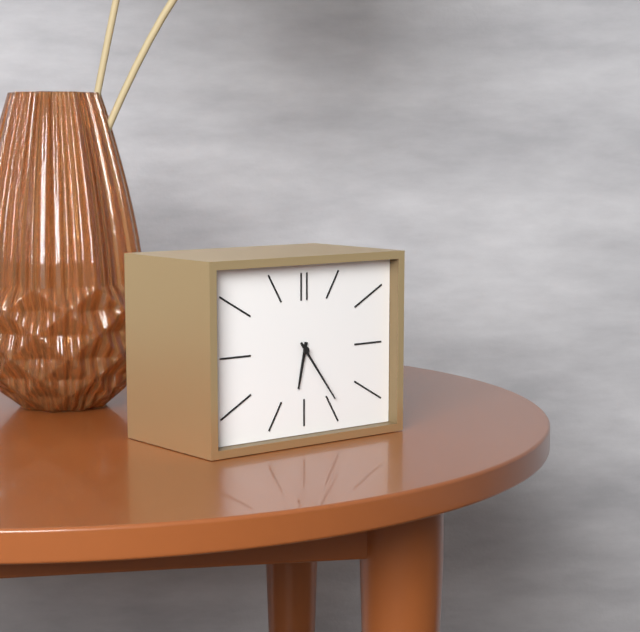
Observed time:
{"hour": 6, "minute": 24}
